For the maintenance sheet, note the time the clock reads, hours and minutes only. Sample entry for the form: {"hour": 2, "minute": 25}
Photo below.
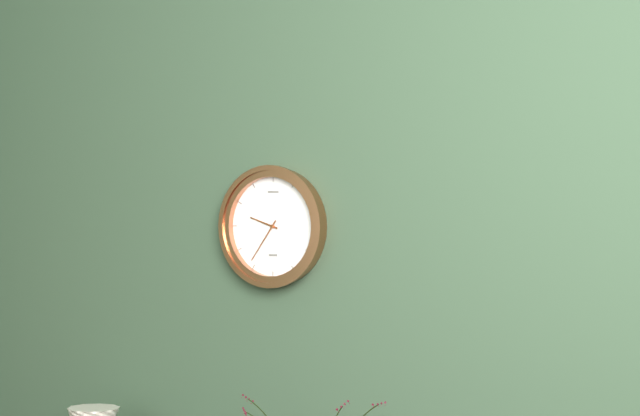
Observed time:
{"hour": 9, "minute": 36}
